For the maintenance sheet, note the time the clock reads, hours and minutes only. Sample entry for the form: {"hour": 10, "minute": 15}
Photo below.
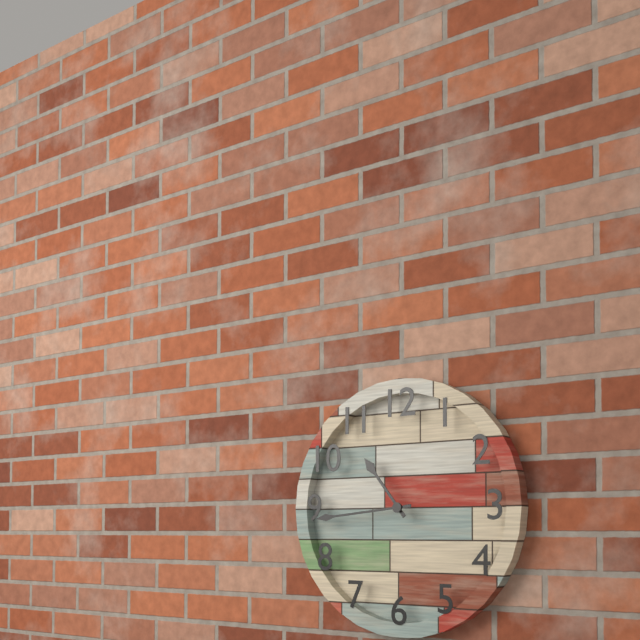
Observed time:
{"hour": 10, "minute": 44}
